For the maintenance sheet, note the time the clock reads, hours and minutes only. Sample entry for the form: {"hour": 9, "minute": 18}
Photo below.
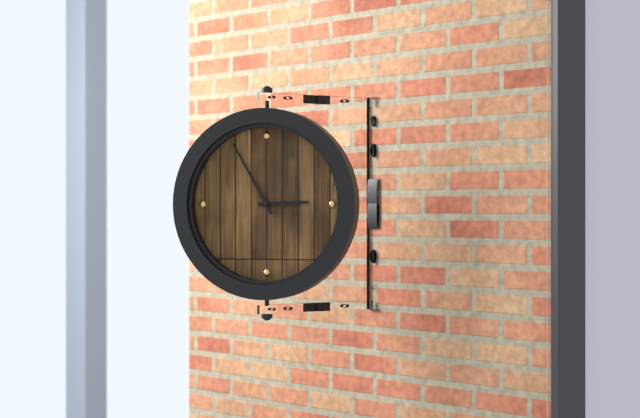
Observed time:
{"hour": 2, "minute": 55}
